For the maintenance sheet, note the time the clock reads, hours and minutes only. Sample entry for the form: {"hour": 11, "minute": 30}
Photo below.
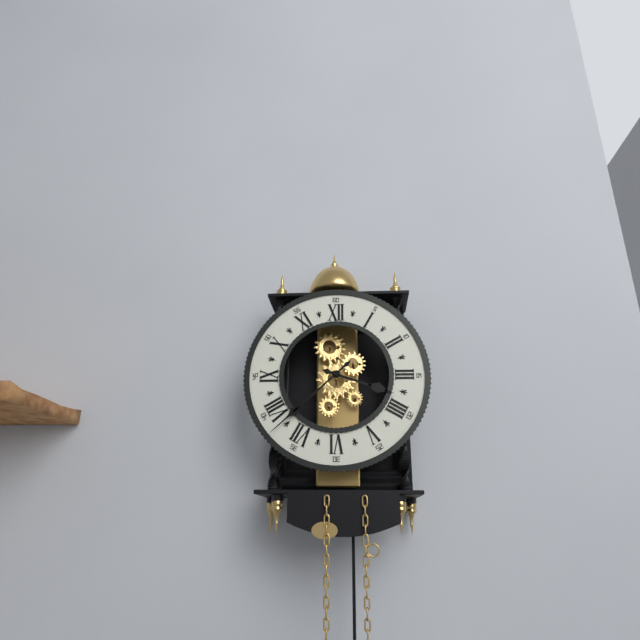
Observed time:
{"hour": 3, "minute": 38}
